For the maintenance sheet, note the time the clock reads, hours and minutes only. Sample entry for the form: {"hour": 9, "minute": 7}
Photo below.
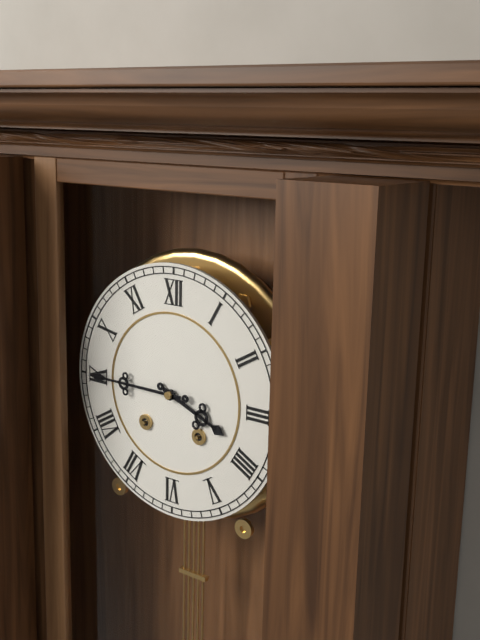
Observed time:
{"hour": 3, "minute": 45}
